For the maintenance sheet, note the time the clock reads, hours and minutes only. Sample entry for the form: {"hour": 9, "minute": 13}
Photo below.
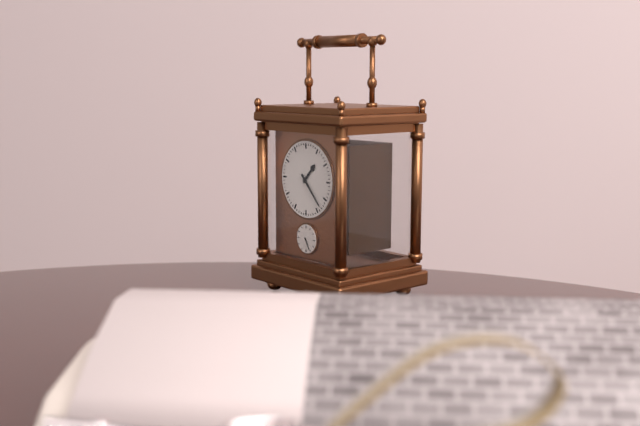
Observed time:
{"hour": 1, "minute": 23}
